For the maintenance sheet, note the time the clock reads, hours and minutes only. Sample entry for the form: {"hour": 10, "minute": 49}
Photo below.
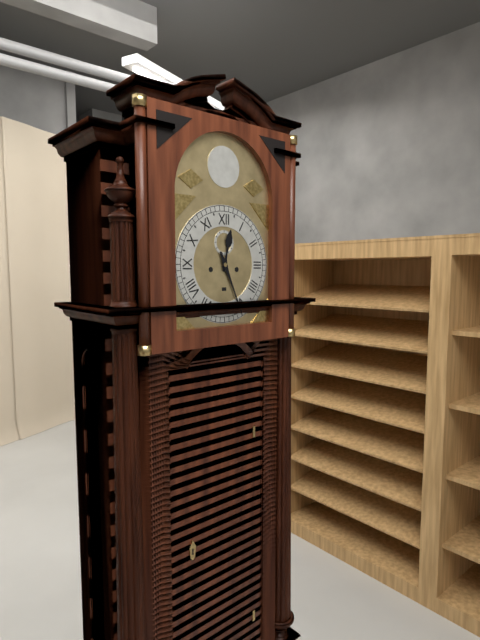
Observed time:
{"hour": 12, "minute": 26}
